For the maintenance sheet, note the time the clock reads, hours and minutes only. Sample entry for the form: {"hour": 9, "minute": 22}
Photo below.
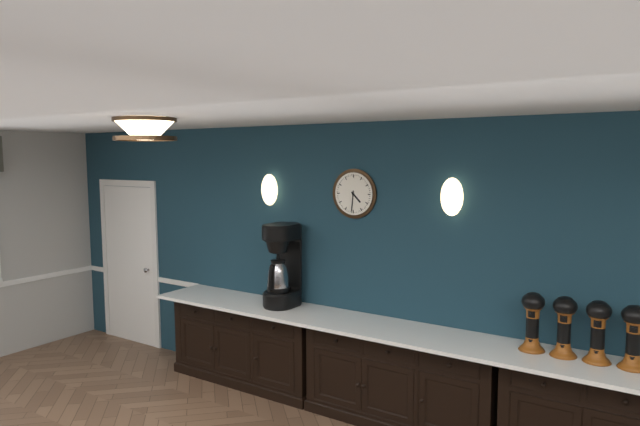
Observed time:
{"hour": 4, "minute": 31}
